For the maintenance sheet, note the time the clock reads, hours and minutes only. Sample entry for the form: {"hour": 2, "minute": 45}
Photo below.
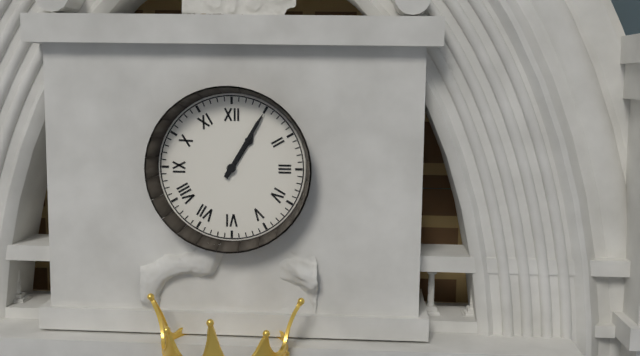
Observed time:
{"hour": 1, "minute": 5}
